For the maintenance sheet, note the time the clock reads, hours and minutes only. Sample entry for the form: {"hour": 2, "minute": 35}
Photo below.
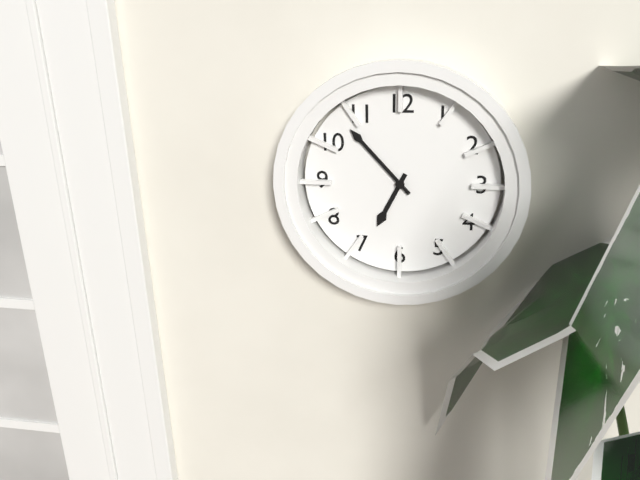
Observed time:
{"hour": 6, "minute": 53}
